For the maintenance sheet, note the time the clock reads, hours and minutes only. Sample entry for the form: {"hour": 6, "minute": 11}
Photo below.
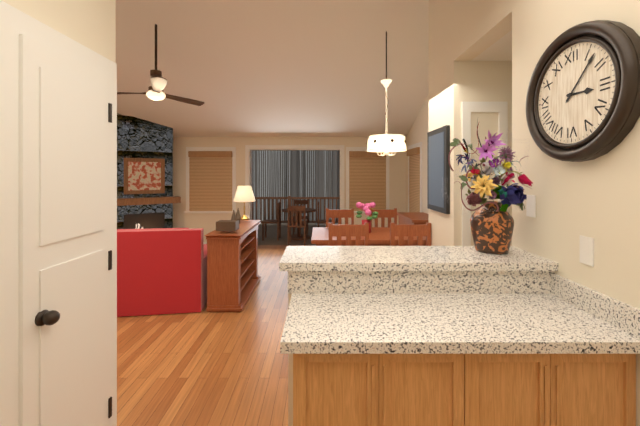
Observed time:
{"hour": 3, "minute": 7}
